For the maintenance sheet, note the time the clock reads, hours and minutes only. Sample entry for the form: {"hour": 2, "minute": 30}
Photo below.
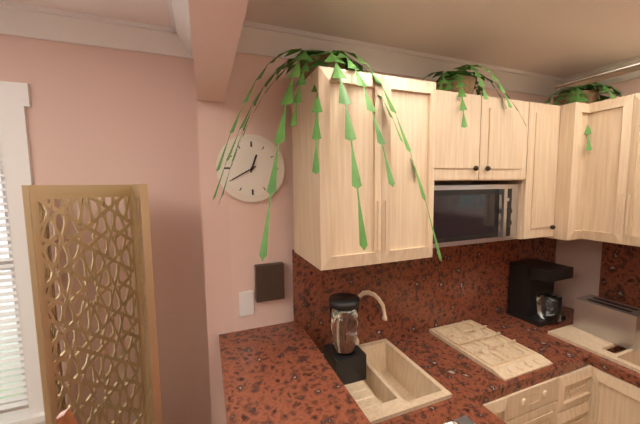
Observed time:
{"hour": 12, "minute": 40}
